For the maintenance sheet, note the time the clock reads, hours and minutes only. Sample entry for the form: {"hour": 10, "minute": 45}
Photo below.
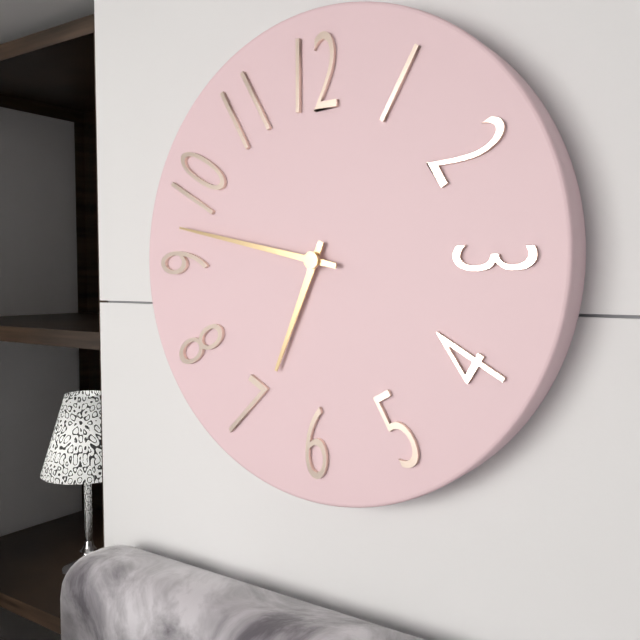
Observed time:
{"hour": 6, "minute": 47}
